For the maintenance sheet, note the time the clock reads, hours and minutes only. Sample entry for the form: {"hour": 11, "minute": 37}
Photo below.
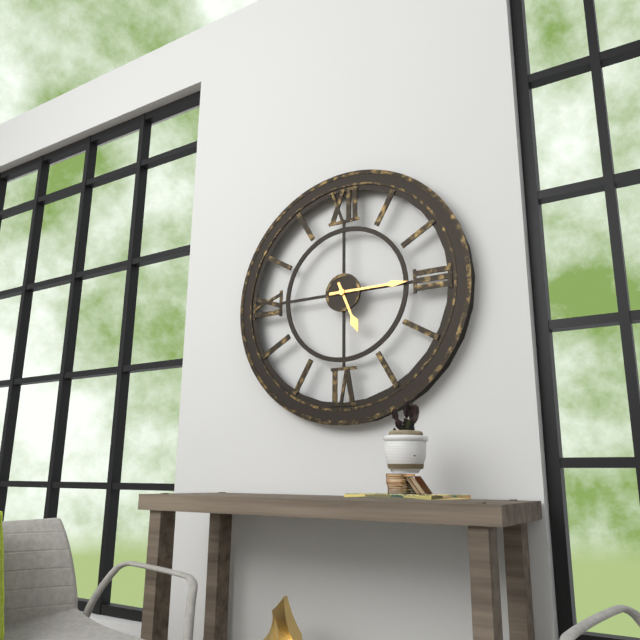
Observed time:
{"hour": 5, "minute": 15}
